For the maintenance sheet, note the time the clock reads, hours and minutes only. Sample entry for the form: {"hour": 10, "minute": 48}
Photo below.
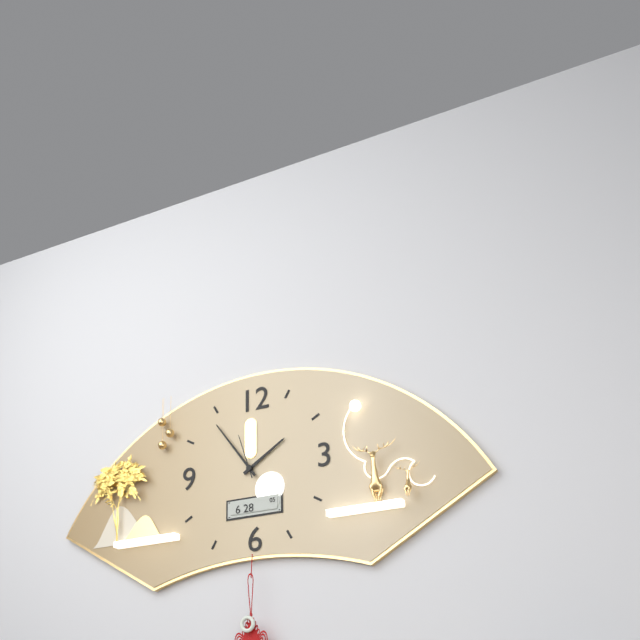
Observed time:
{"hour": 1, "minute": 54}
